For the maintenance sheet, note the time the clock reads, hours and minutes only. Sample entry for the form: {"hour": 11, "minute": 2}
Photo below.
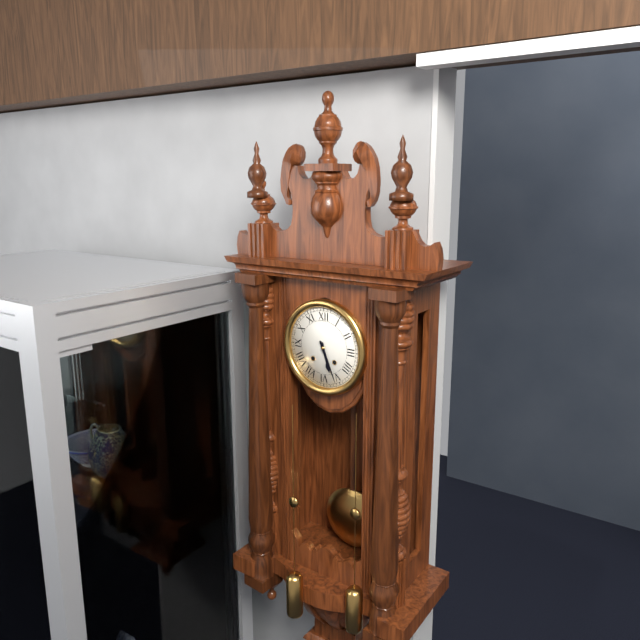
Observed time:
{"hour": 5, "minute": 26}
